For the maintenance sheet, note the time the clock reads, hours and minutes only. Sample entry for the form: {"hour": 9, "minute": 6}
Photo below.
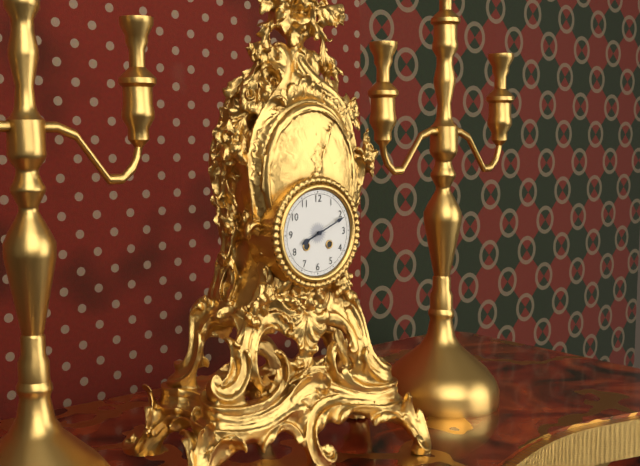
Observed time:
{"hour": 8, "minute": 11}
